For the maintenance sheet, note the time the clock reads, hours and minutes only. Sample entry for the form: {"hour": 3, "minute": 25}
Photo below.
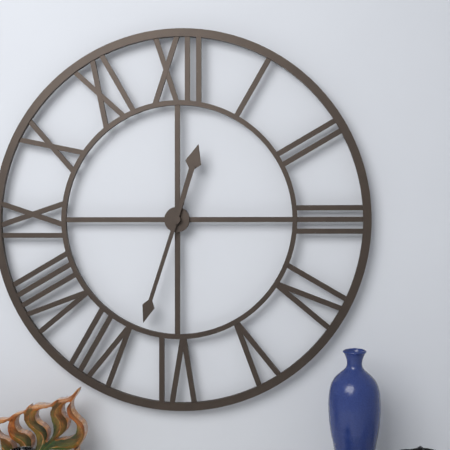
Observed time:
{"hour": 12, "minute": 33}
